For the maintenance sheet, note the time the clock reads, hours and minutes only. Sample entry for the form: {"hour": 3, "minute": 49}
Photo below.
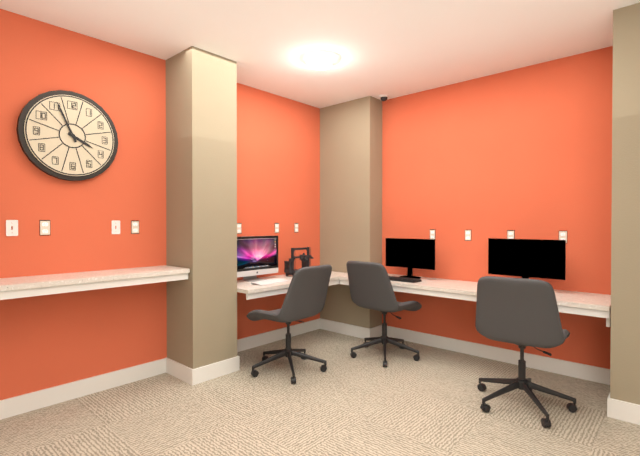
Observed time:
{"hour": 3, "minute": 56}
